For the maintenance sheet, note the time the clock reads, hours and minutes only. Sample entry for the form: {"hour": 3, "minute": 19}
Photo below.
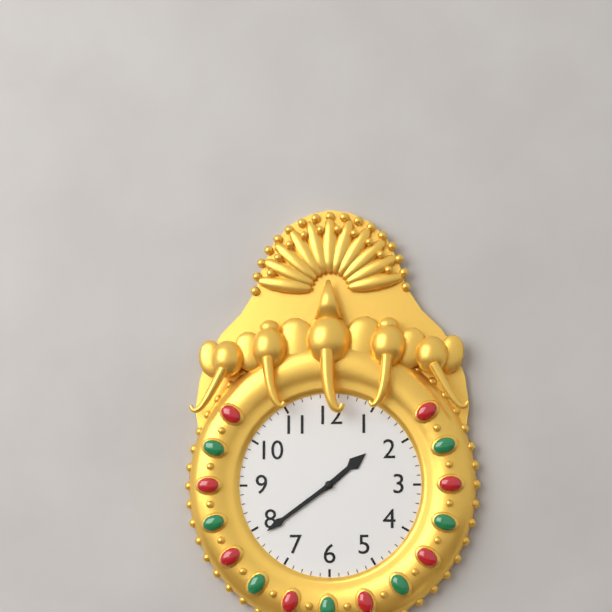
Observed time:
{"hour": 1, "minute": 39}
